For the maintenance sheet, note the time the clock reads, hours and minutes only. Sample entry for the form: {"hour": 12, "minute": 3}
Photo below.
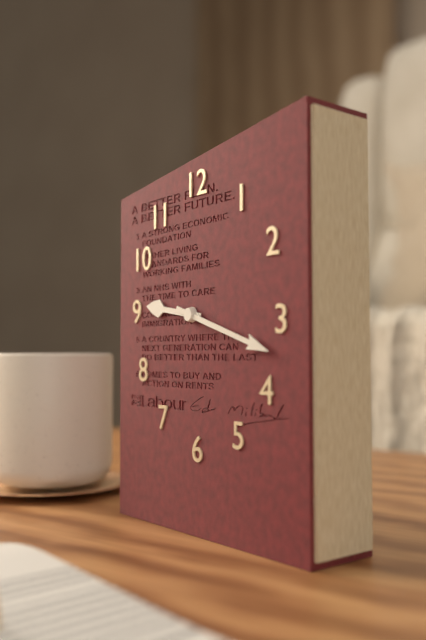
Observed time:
{"hour": 9, "minute": 18}
